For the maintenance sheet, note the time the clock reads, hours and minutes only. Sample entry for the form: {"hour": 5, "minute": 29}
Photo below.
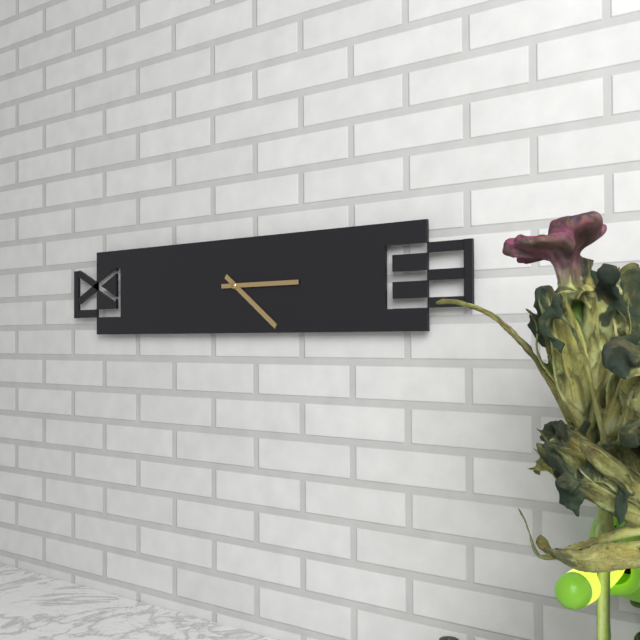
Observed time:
{"hour": 4, "minute": 15}
